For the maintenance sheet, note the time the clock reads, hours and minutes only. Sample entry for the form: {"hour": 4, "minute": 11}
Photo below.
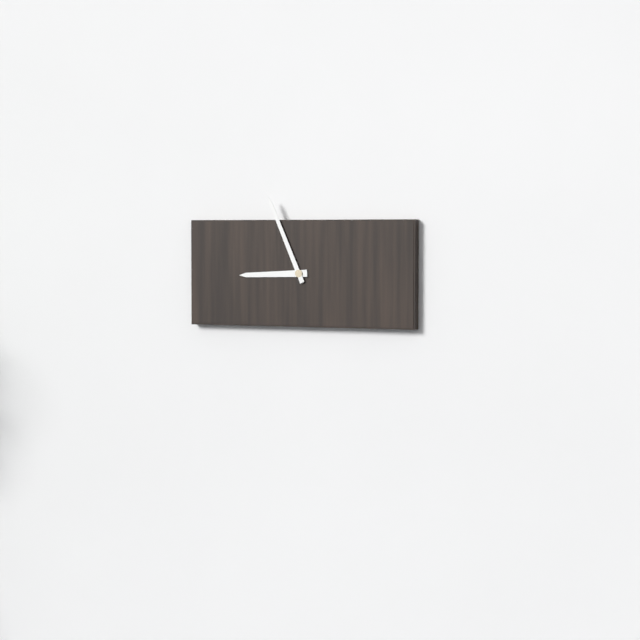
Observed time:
{"hour": 8, "minute": 56}
